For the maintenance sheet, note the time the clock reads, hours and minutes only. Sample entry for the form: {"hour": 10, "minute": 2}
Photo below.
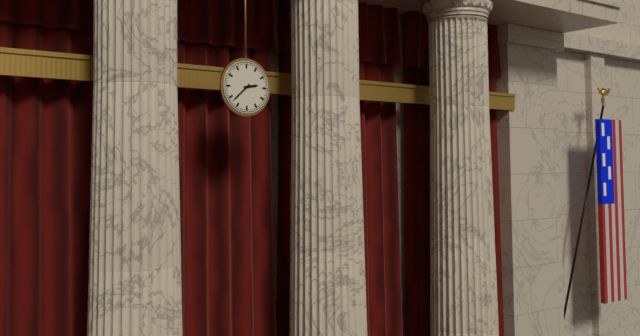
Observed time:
{"hour": 2, "minute": 38}
